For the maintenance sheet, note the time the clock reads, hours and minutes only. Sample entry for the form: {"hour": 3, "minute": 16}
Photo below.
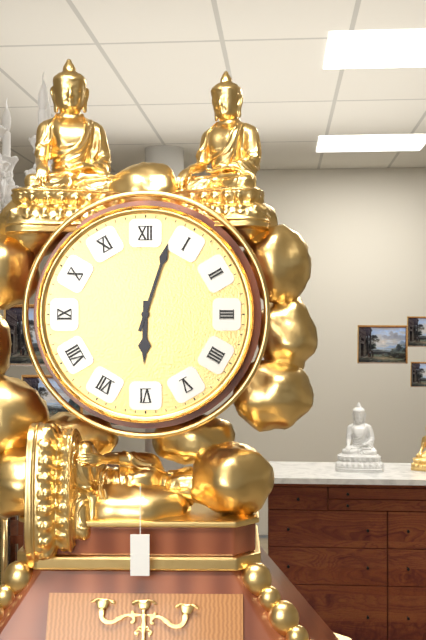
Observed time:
{"hour": 6, "minute": 3}
